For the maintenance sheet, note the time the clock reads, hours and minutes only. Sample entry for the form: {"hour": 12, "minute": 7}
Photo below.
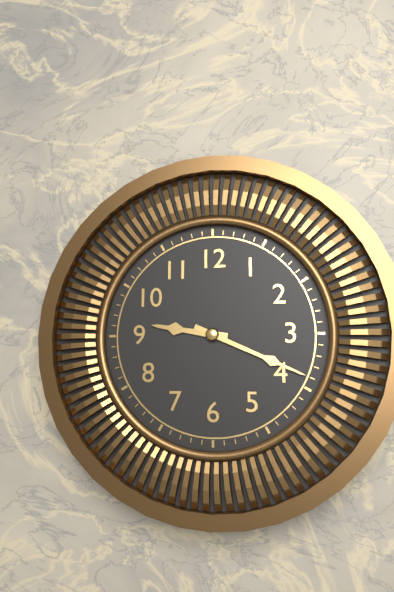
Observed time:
{"hour": 9, "minute": 19}
